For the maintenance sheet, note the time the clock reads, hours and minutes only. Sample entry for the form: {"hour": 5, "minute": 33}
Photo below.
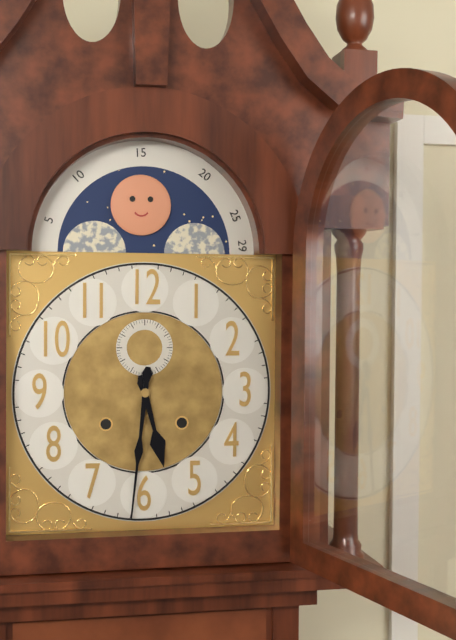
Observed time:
{"hour": 5, "minute": 31}
